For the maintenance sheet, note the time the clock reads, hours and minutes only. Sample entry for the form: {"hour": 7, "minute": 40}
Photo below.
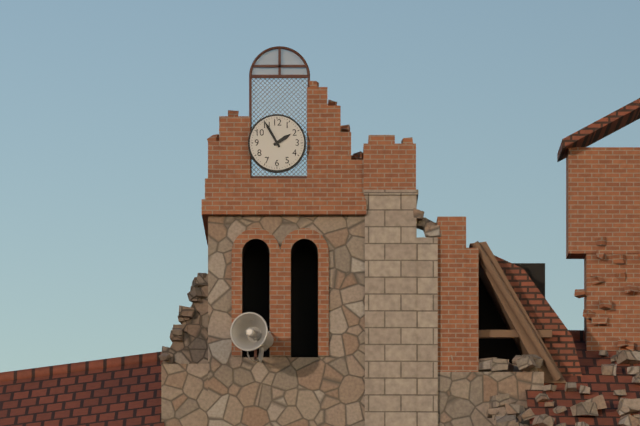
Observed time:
{"hour": 1, "minute": 55}
